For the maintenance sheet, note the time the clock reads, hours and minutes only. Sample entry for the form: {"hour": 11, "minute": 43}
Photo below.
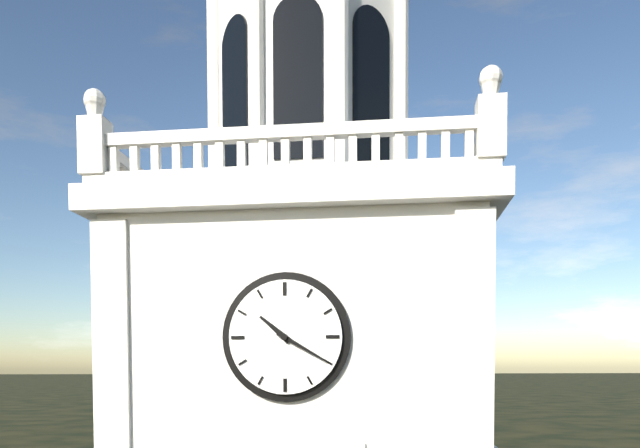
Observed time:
{"hour": 10, "minute": 20}
